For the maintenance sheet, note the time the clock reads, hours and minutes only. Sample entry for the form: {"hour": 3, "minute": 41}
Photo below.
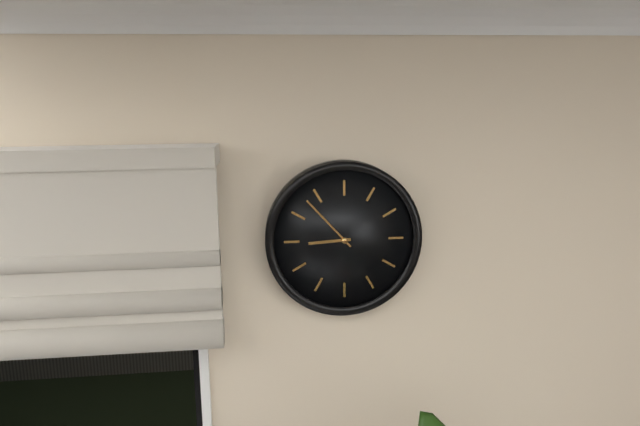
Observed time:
{"hour": 8, "minute": 53}
